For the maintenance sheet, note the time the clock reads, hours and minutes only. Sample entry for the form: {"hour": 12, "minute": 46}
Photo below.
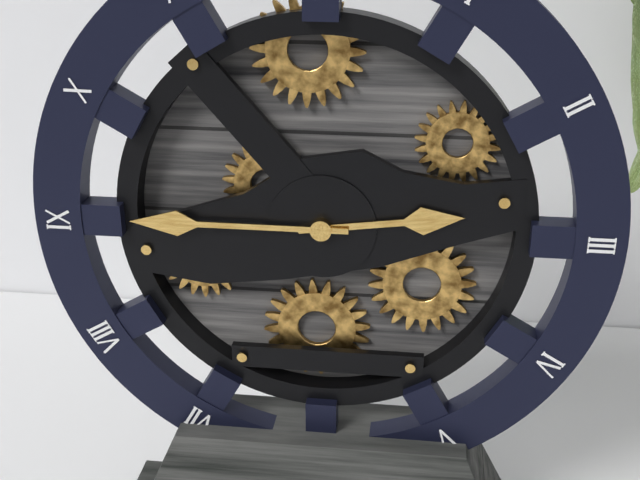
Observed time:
{"hour": 2, "minute": 45}
